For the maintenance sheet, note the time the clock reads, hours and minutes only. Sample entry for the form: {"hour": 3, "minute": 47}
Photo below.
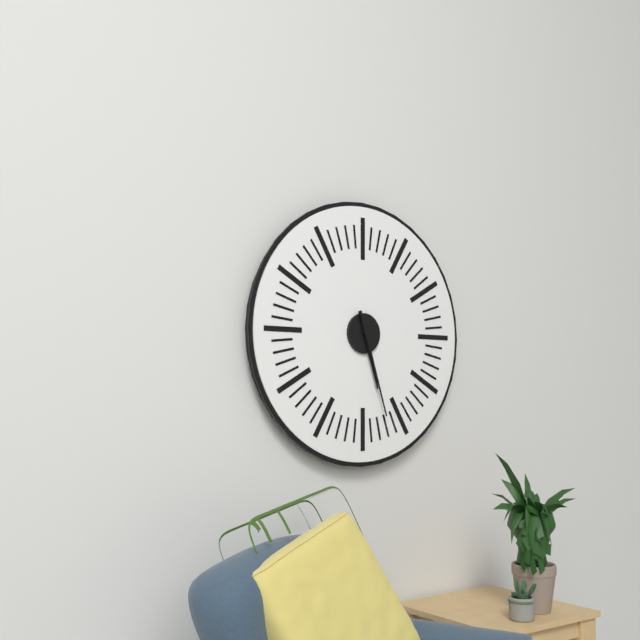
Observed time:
{"hour": 5, "minute": 27}
